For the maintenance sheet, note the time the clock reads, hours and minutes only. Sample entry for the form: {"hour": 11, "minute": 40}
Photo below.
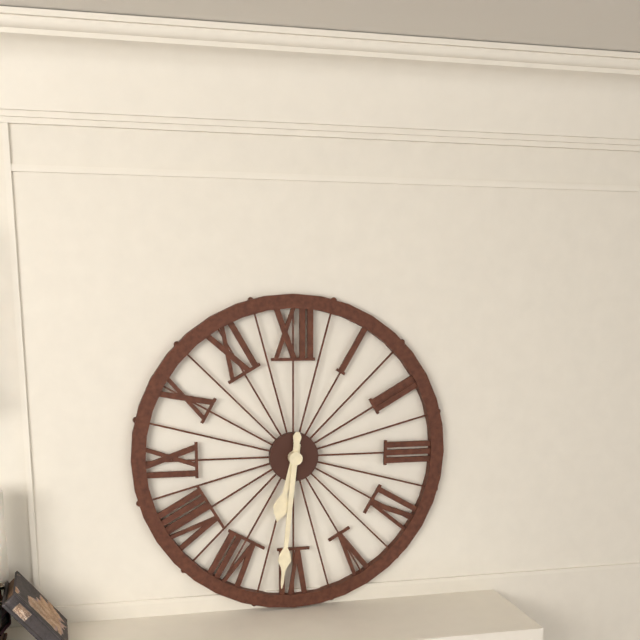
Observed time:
{"hour": 6, "minute": 31}
